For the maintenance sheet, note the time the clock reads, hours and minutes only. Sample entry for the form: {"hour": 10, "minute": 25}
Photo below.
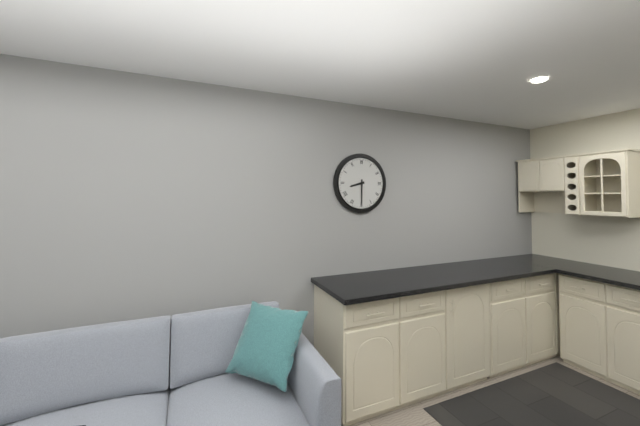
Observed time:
{"hour": 8, "minute": 30}
